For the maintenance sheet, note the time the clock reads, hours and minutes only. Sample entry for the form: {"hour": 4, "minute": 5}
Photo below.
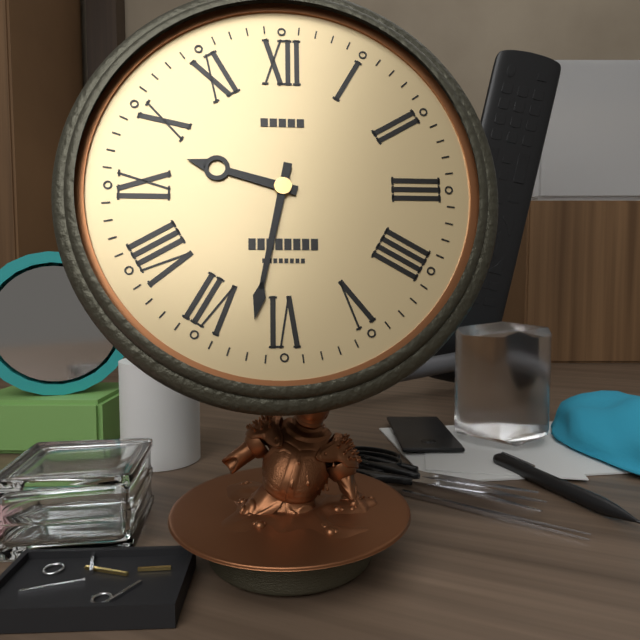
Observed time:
{"hour": 9, "minute": 32}
